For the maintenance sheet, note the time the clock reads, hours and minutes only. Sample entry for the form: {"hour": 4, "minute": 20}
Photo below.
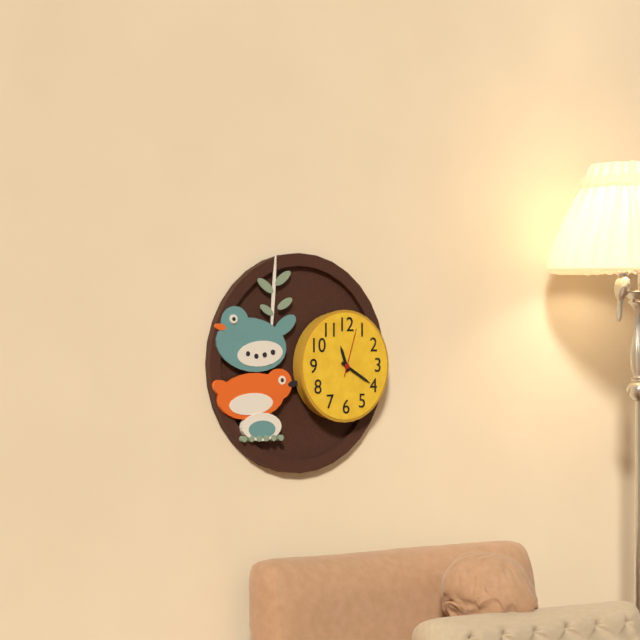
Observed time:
{"hour": 11, "minute": 20}
